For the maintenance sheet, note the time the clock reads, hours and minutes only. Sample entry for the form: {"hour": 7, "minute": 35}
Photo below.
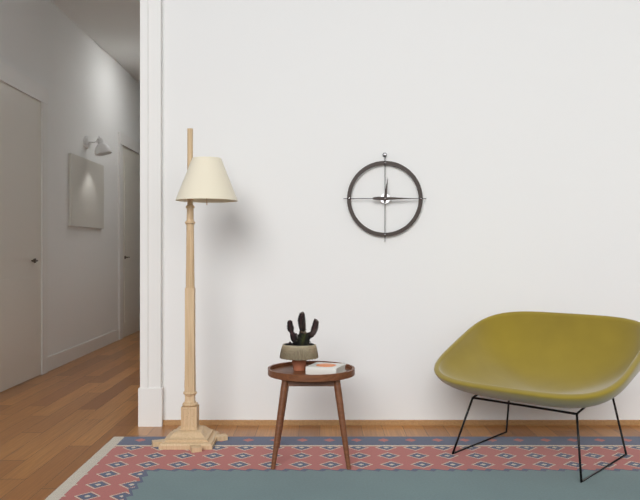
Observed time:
{"hour": 12, "minute": 15}
